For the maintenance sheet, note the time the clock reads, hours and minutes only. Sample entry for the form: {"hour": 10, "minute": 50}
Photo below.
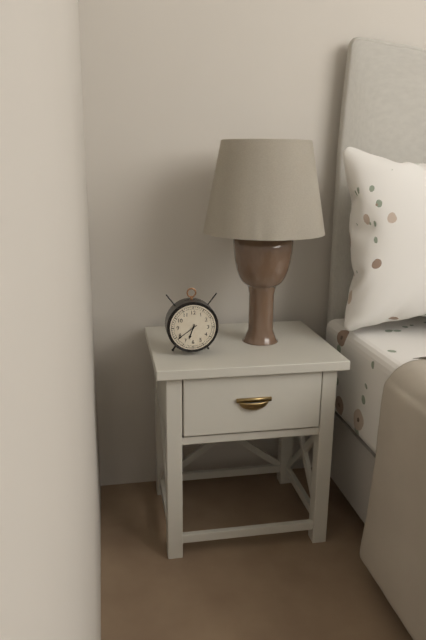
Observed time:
{"hour": 6, "minute": 39}
